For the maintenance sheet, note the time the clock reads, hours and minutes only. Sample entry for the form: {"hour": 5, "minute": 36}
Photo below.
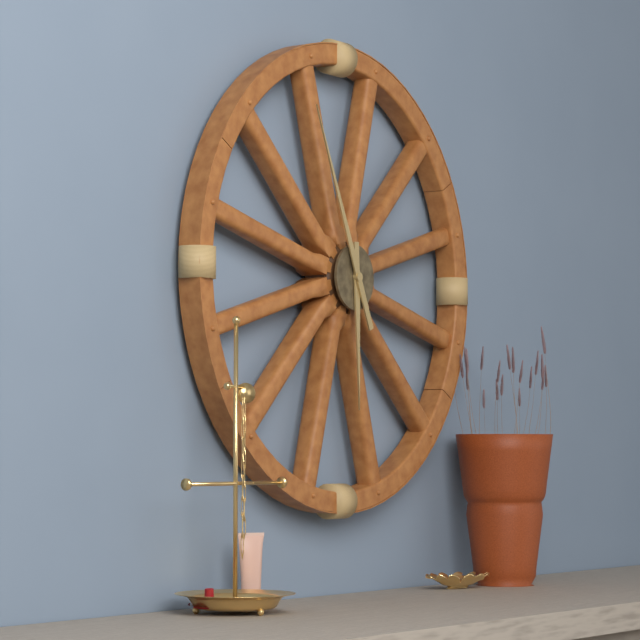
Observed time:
{"hour": 5, "minute": 56}
